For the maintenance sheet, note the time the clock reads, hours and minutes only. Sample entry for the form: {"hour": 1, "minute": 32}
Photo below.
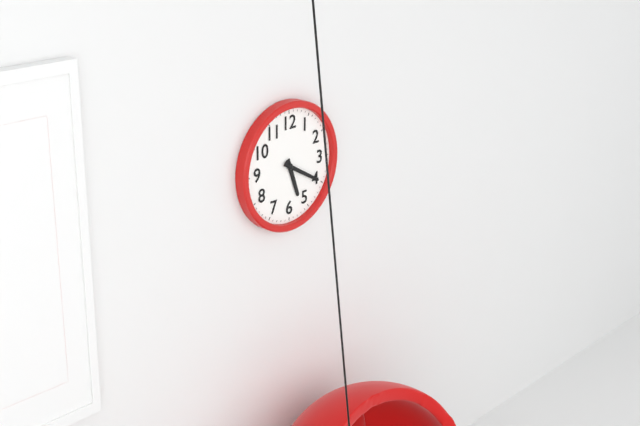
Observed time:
{"hour": 5, "minute": 20}
